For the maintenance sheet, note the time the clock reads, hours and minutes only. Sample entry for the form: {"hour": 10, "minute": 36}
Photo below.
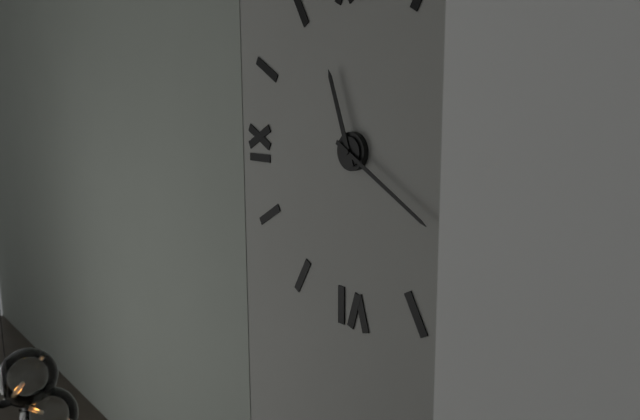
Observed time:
{"hour": 11, "minute": 20}
